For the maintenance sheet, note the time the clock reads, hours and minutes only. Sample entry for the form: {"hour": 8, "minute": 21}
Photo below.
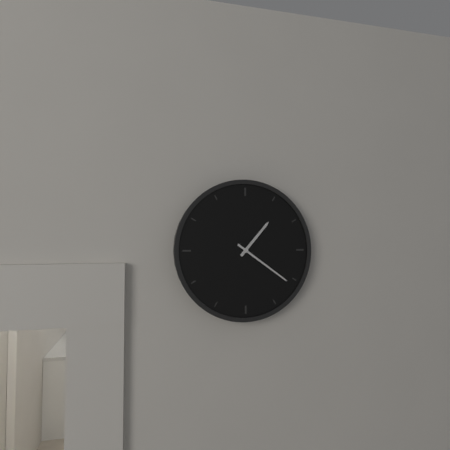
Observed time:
{"hour": 1, "minute": 21}
